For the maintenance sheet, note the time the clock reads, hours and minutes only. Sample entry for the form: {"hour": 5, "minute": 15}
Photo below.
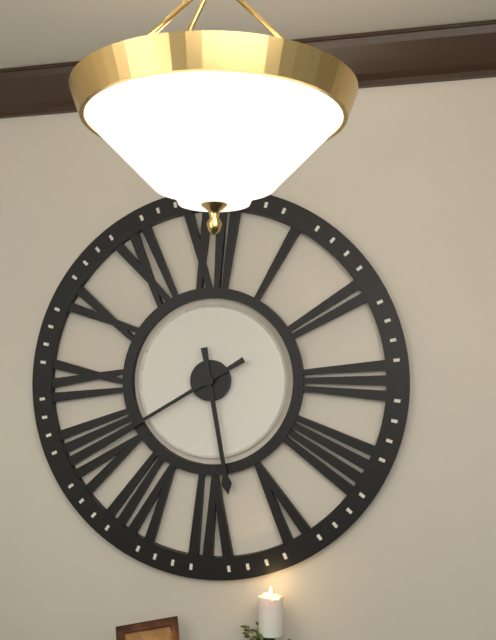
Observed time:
{"hour": 5, "minute": 40}
